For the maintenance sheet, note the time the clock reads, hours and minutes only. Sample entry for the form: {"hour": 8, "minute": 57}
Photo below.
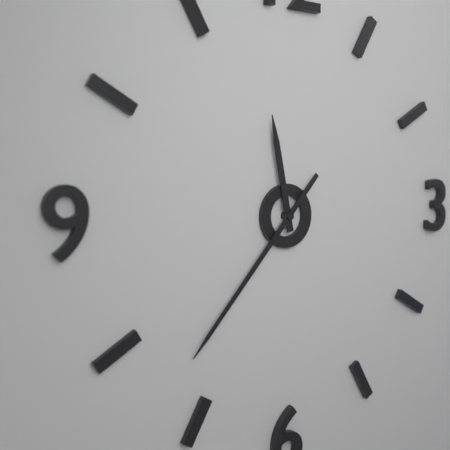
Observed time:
{"hour": 11, "minute": 37}
